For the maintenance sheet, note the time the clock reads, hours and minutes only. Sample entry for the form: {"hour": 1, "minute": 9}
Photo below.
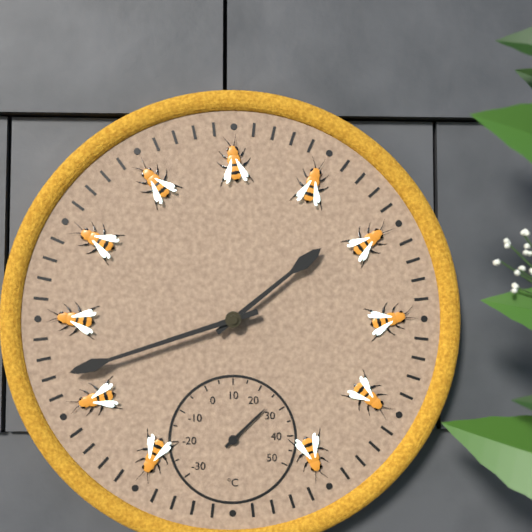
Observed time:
{"hour": 1, "minute": 42}
